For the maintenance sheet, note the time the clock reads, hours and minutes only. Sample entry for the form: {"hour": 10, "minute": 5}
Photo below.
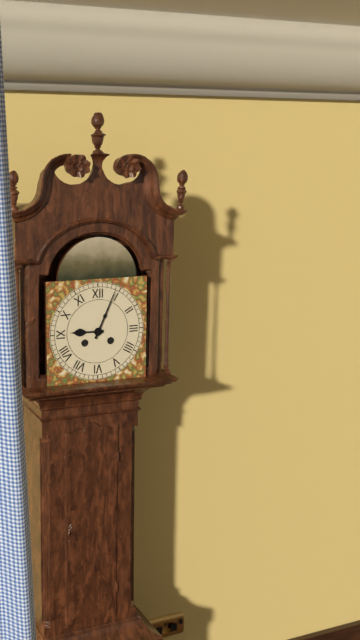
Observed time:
{"hour": 9, "minute": 4}
